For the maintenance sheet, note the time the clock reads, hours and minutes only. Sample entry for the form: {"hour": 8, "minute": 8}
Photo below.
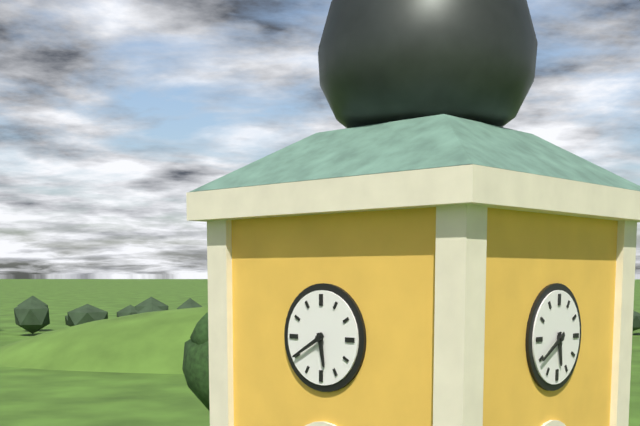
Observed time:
{"hour": 5, "minute": 40}
